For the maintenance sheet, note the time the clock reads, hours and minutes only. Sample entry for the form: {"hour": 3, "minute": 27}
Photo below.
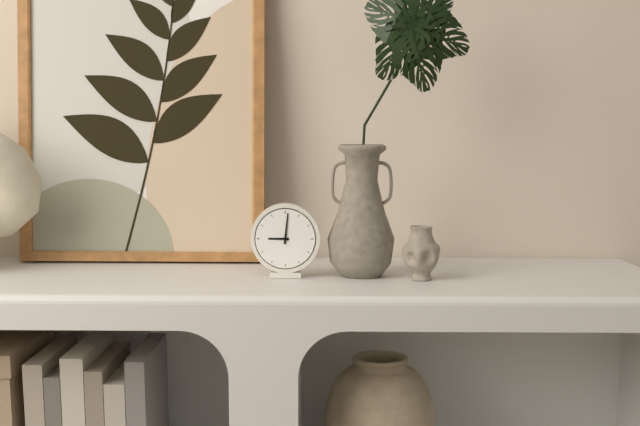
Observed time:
{"hour": 9, "minute": 1}
